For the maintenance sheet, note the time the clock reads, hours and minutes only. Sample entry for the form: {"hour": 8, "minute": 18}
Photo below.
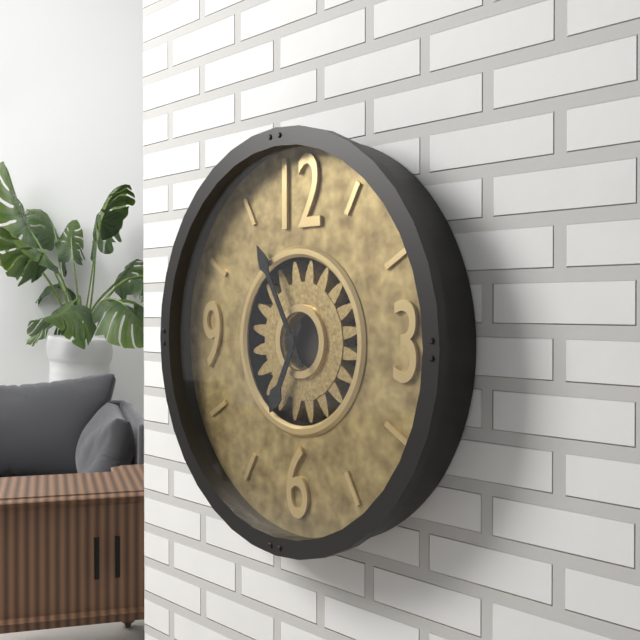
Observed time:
{"hour": 6, "minute": 55}
